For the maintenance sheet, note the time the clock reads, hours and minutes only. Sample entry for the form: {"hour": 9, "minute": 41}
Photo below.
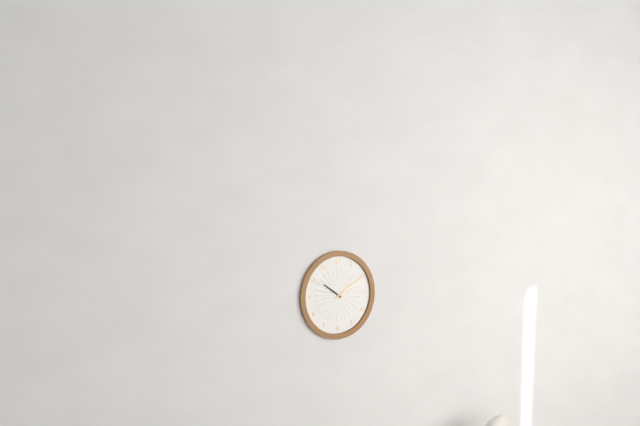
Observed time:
{"hour": 10, "minute": 10}
